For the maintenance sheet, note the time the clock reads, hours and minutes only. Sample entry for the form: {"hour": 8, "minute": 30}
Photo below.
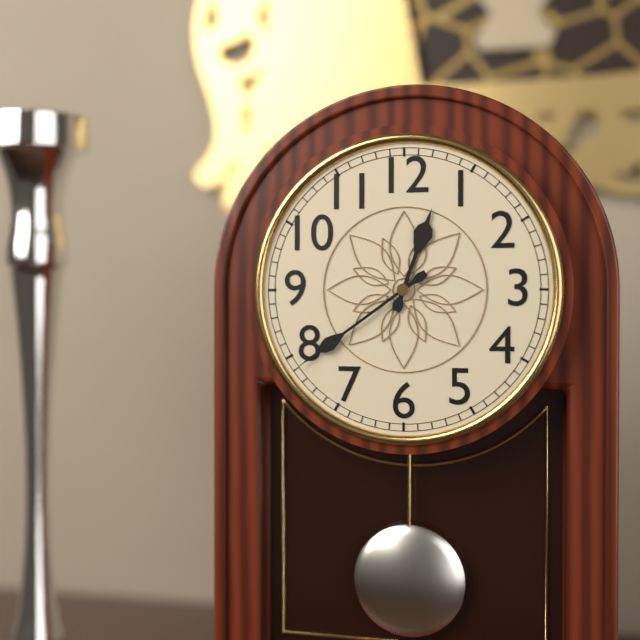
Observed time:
{"hour": 12, "minute": 39}
